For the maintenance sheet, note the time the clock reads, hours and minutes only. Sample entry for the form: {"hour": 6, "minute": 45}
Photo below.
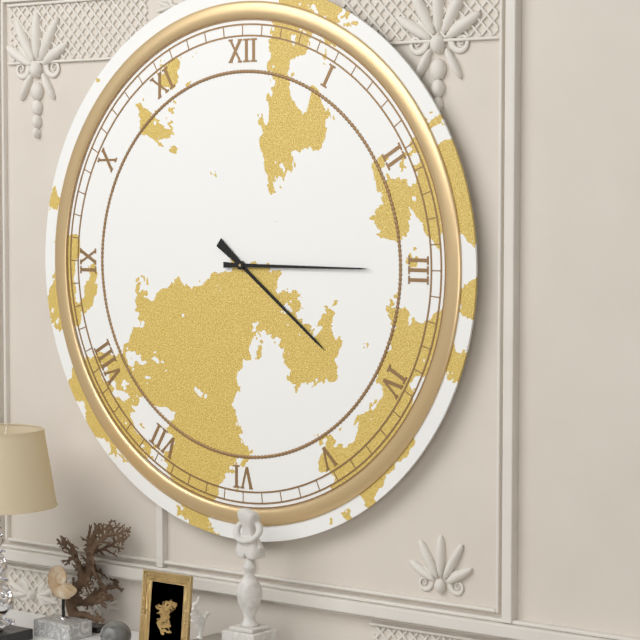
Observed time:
{"hour": 4, "minute": 15}
